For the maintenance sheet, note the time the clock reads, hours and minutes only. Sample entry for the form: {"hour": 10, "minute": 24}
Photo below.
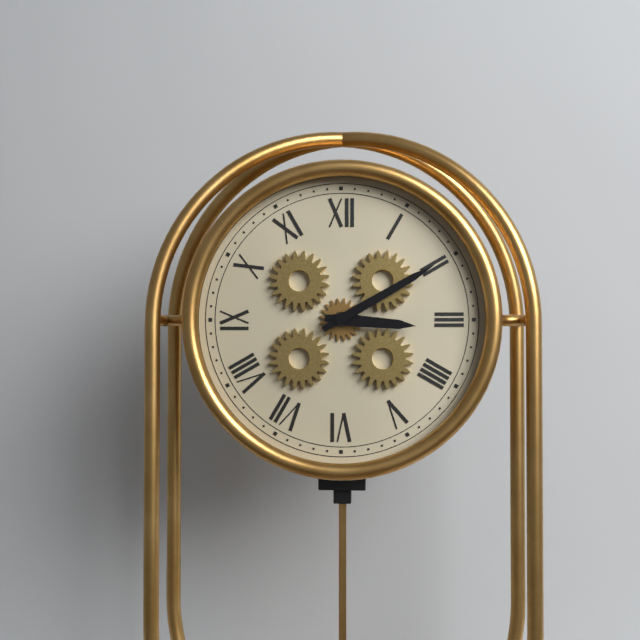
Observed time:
{"hour": 3, "minute": 10}
